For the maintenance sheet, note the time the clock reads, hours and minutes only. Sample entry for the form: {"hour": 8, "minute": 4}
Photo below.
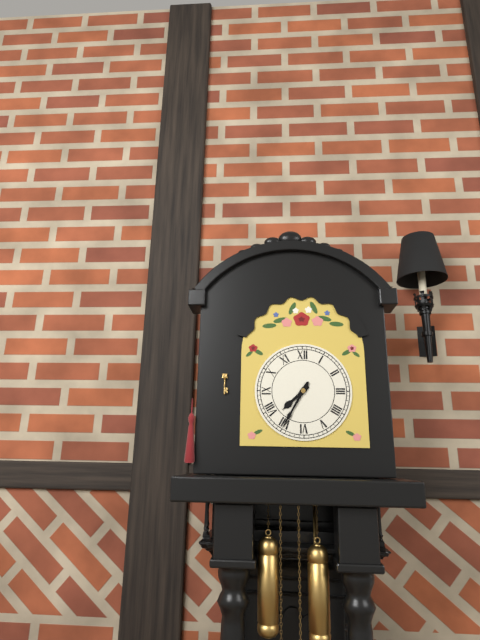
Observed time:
{"hour": 7, "minute": 35}
